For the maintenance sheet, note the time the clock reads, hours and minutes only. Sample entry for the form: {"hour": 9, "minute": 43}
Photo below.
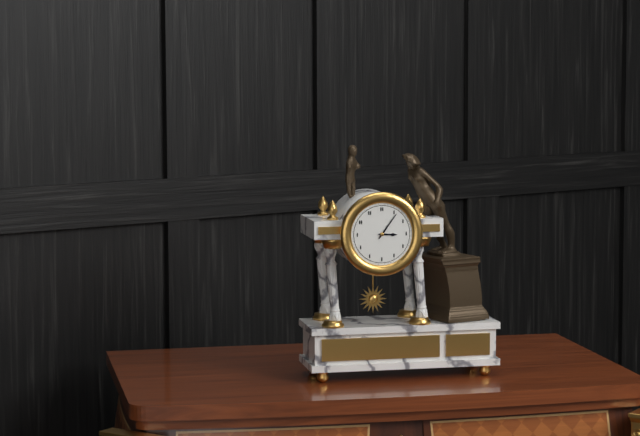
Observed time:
{"hour": 3, "minute": 6}
